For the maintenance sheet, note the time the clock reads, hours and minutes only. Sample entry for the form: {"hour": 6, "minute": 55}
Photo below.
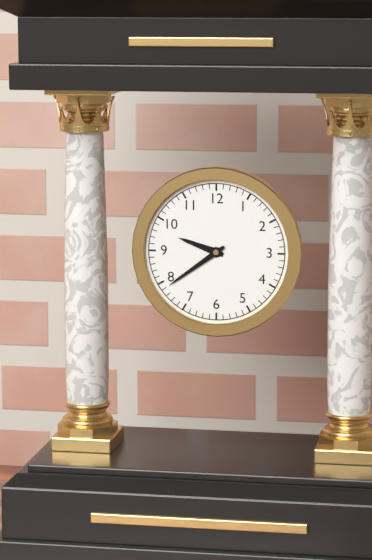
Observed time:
{"hour": 9, "minute": 39}
